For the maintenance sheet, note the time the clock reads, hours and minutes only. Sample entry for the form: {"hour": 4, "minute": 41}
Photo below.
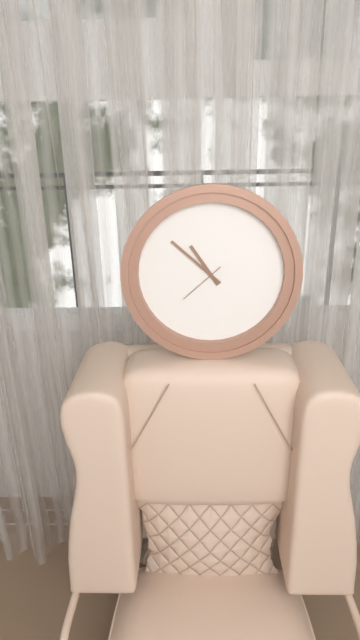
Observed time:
{"hour": 10, "minute": 52}
